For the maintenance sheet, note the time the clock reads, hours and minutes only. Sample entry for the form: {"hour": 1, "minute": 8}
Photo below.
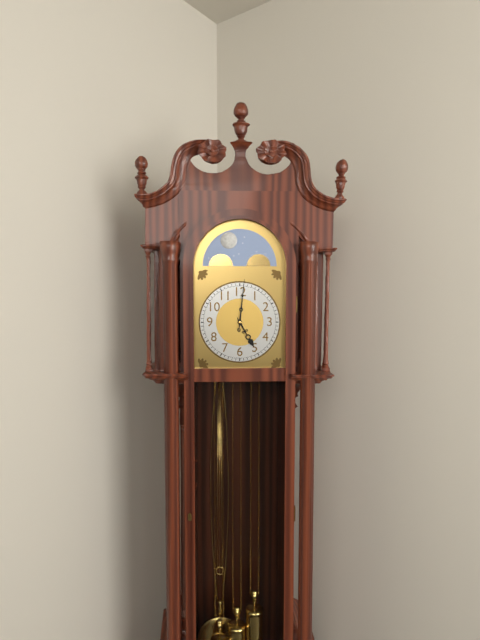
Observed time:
{"hour": 5, "minute": 1}
